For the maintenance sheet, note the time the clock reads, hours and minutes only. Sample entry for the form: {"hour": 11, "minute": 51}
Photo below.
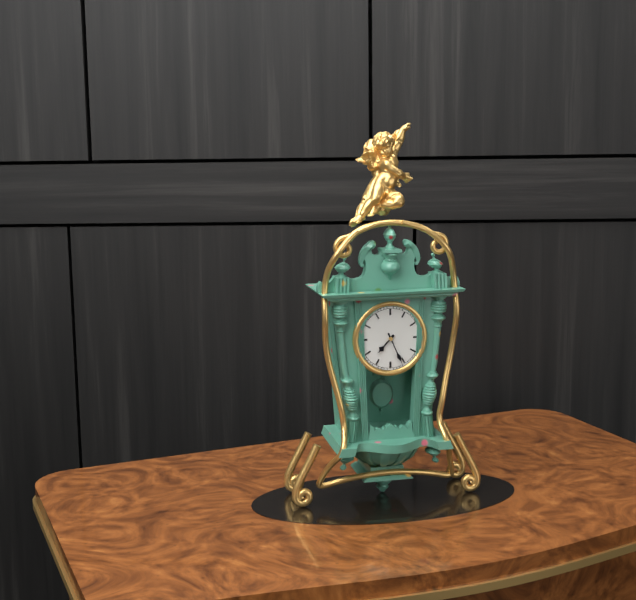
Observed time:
{"hour": 7, "minute": 26}
